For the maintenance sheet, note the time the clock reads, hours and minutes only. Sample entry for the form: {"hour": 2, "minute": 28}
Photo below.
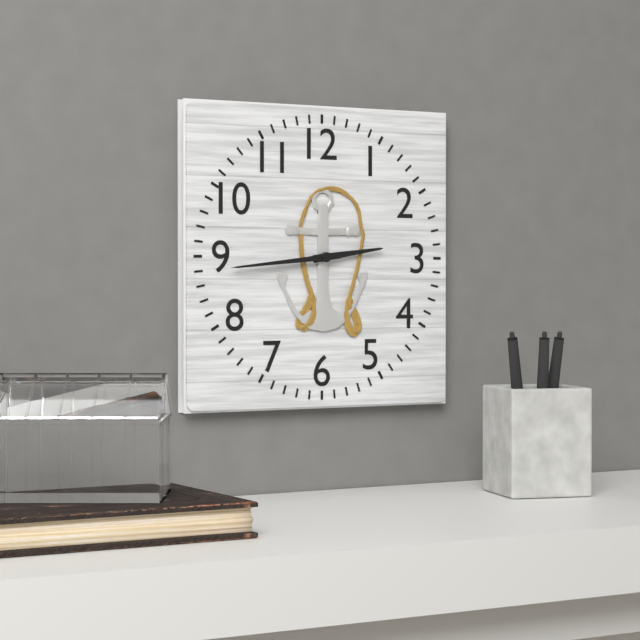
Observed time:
{"hour": 2, "minute": 44}
